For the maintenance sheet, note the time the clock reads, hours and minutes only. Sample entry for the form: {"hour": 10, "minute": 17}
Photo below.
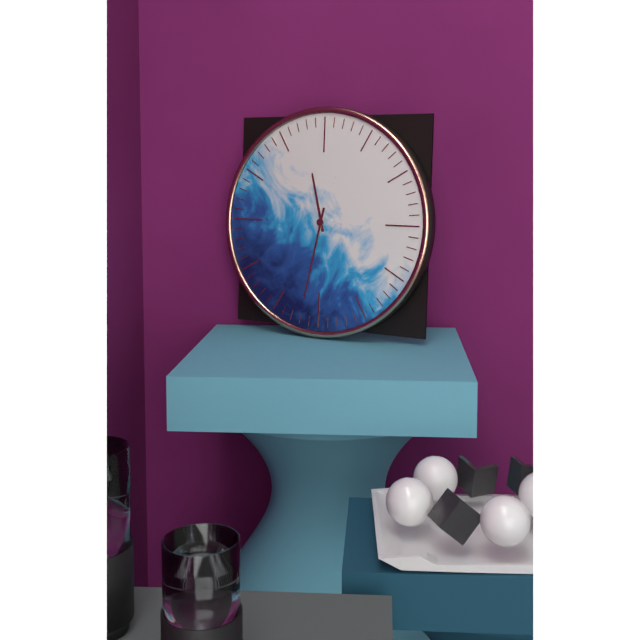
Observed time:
{"hour": 11, "minute": 32}
